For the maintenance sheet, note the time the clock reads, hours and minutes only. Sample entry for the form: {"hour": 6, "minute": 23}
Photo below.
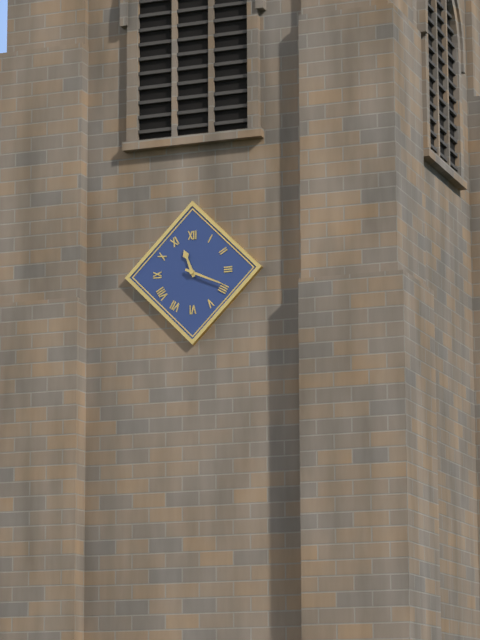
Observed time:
{"hour": 11, "minute": 19}
